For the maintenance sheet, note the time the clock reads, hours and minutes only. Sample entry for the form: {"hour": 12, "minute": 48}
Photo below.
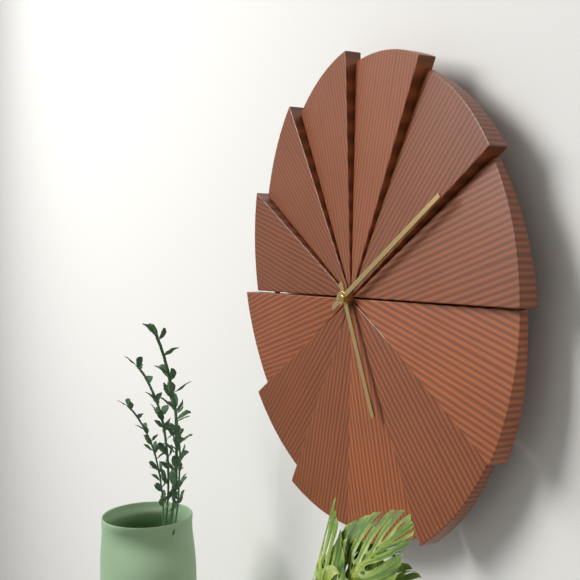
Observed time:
{"hour": 5, "minute": 10}
